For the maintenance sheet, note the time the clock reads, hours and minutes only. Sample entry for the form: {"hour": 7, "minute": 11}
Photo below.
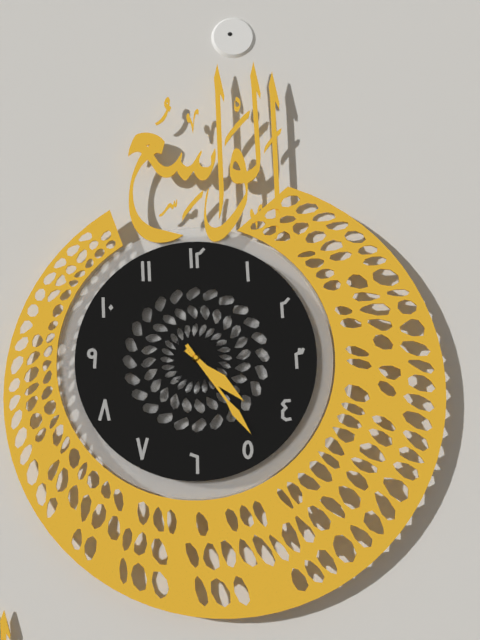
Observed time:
{"hour": 4, "minute": 24}
